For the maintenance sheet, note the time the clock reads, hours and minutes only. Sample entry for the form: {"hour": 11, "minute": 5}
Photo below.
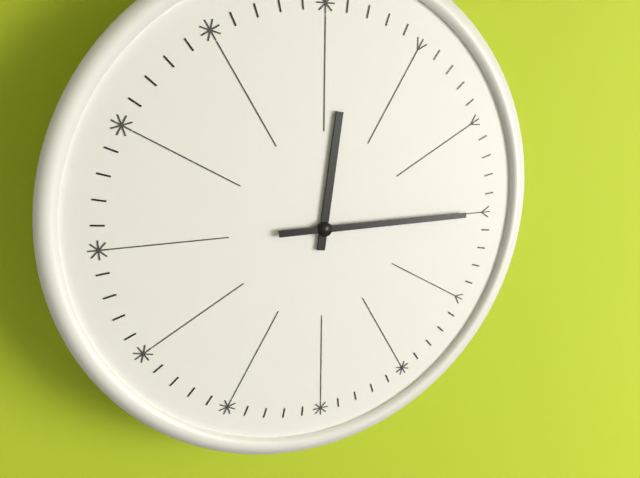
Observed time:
{"hour": 12, "minute": 15}
